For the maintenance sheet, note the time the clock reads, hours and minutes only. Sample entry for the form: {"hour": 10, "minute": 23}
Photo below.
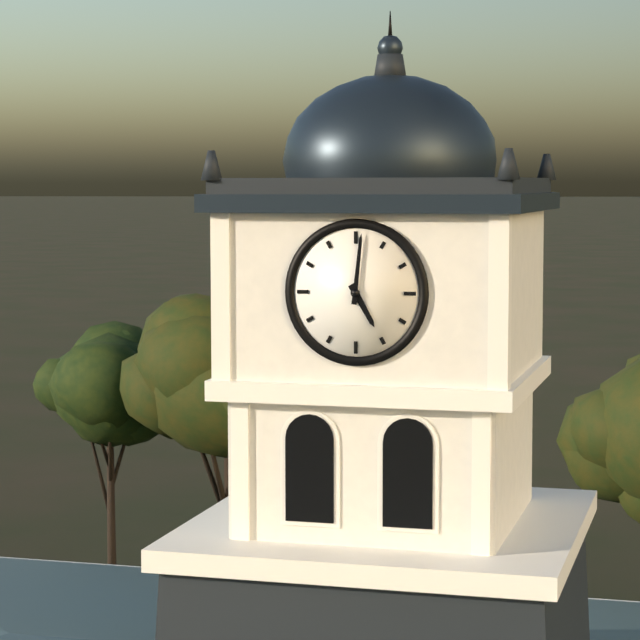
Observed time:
{"hour": 5, "minute": 1}
